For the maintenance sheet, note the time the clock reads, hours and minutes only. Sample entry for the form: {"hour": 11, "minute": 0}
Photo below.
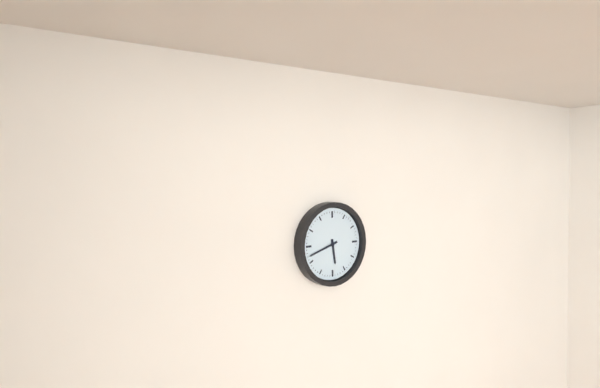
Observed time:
{"hour": 5, "minute": 42}
